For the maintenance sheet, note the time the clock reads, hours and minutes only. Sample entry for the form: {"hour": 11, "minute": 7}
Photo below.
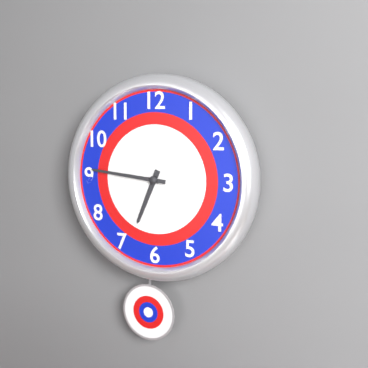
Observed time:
{"hour": 6, "minute": 46}
